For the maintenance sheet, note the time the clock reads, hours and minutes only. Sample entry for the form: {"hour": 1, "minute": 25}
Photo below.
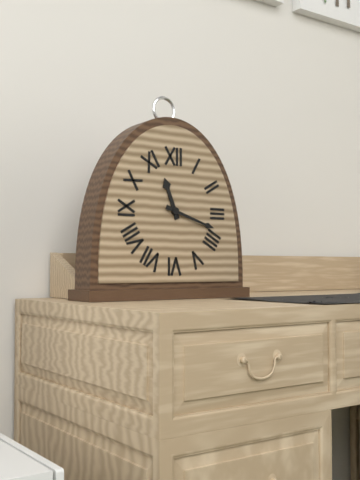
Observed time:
{"hour": 11, "minute": 18}
